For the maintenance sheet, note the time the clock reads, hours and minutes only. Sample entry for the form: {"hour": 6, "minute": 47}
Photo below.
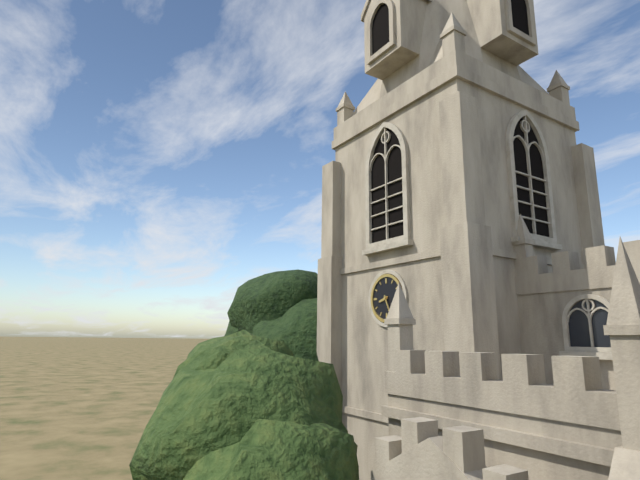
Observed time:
{"hour": 8, "minute": 26}
